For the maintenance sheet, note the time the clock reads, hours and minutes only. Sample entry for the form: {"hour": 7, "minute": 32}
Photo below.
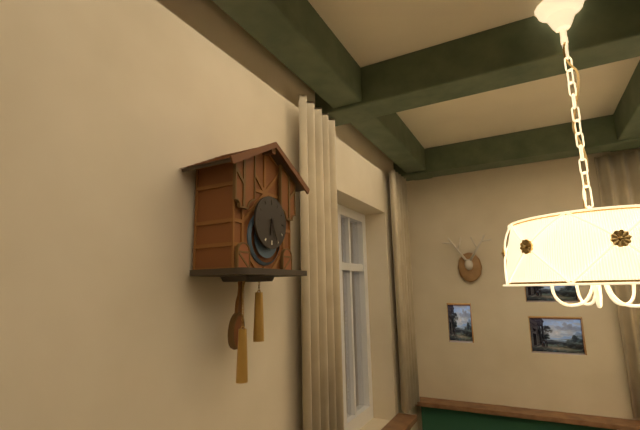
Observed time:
{"hour": 6, "minute": 26}
